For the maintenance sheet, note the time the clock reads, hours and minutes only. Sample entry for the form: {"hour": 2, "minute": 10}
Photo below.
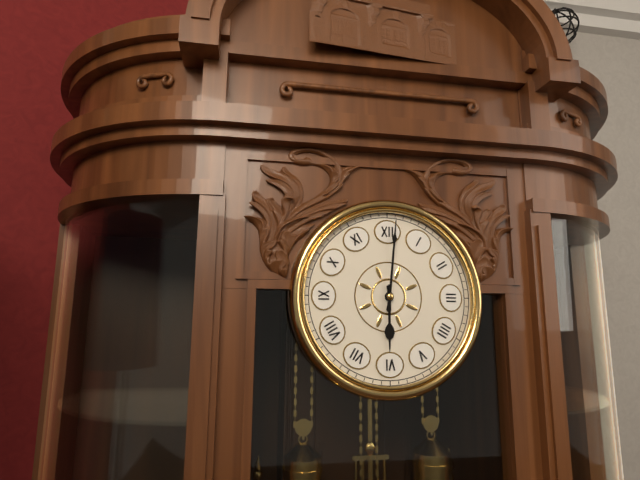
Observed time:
{"hour": 6, "minute": 1}
